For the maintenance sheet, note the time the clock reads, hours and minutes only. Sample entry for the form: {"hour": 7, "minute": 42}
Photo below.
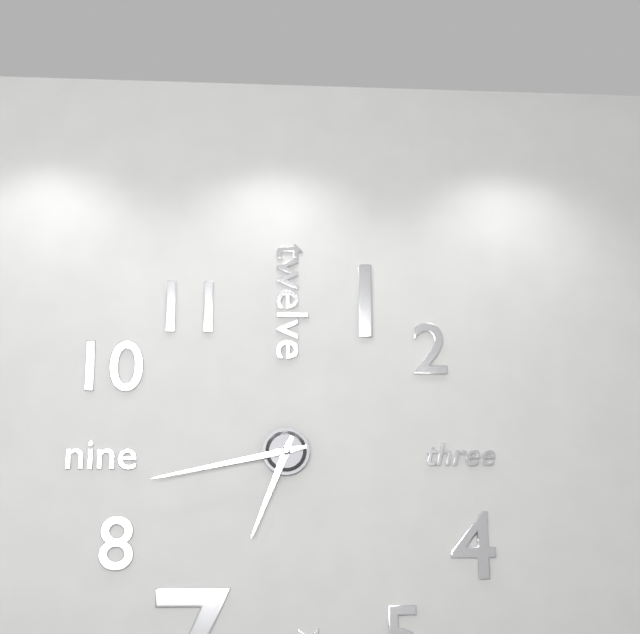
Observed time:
{"hour": 6, "minute": 43}
